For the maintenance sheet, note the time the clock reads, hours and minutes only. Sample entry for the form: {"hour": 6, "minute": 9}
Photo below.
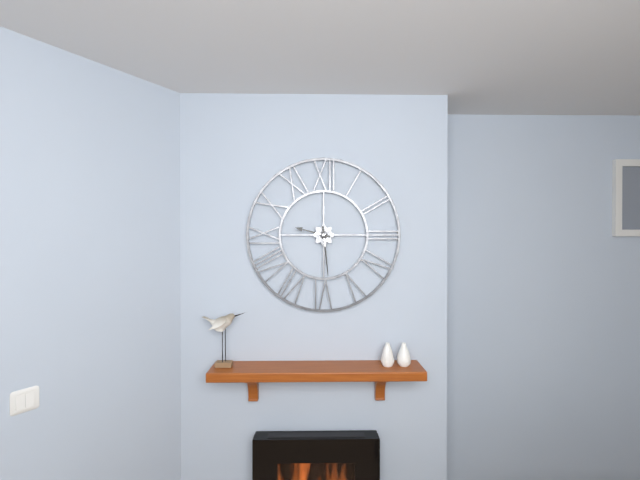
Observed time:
{"hour": 9, "minute": 29}
